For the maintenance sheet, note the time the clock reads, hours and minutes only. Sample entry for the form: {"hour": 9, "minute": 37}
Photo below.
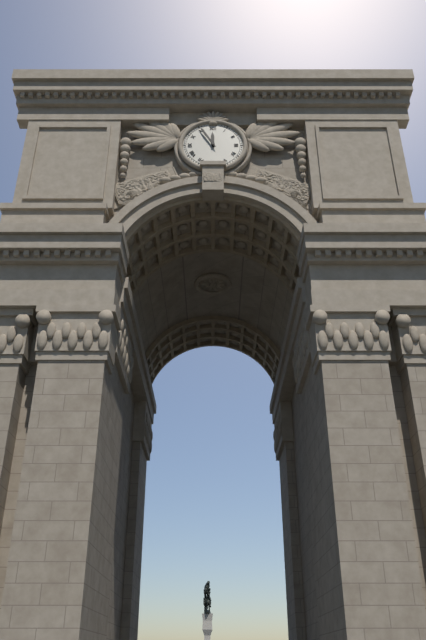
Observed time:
{"hour": 11, "minute": 55}
